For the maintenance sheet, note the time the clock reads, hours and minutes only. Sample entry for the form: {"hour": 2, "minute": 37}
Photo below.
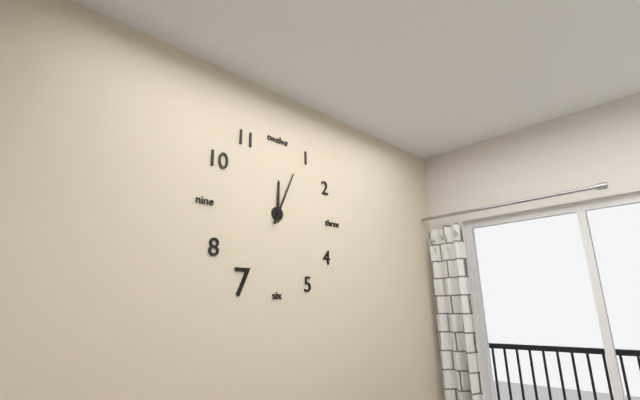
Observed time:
{"hour": 12, "minute": 4}
